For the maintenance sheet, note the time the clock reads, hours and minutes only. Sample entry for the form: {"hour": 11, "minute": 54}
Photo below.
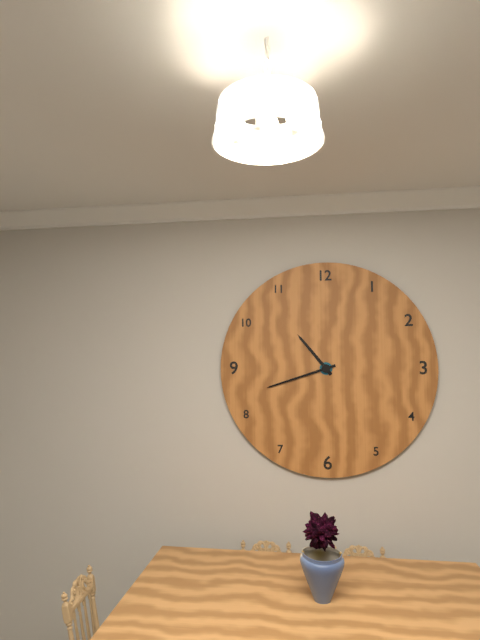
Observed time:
{"hour": 10, "minute": 42}
